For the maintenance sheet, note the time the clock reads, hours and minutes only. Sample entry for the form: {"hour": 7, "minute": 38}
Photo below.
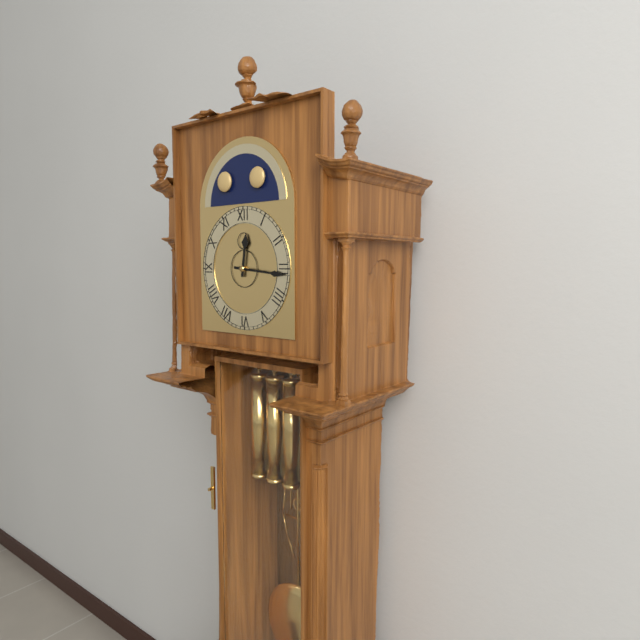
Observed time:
{"hour": 12, "minute": 16}
